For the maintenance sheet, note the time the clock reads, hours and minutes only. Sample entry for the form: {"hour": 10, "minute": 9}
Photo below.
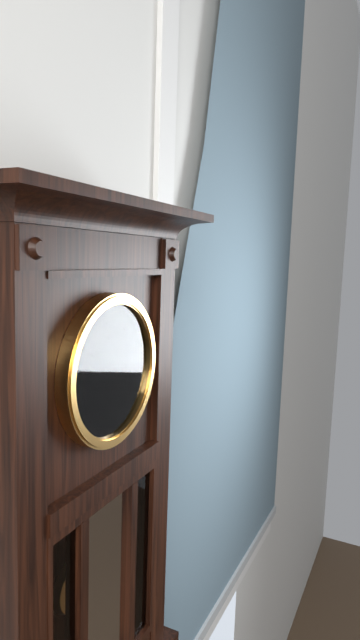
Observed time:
{"hour": 1, "minute": 28}
